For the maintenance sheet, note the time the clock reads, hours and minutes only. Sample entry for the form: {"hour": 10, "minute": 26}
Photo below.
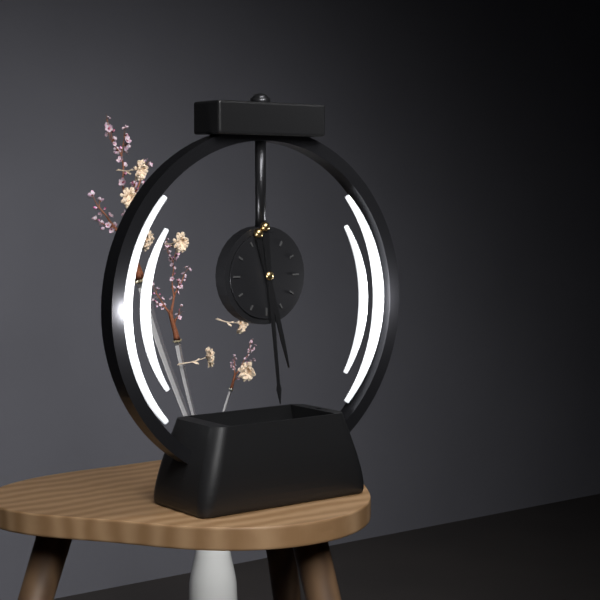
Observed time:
{"hour": 5, "minute": 29}
